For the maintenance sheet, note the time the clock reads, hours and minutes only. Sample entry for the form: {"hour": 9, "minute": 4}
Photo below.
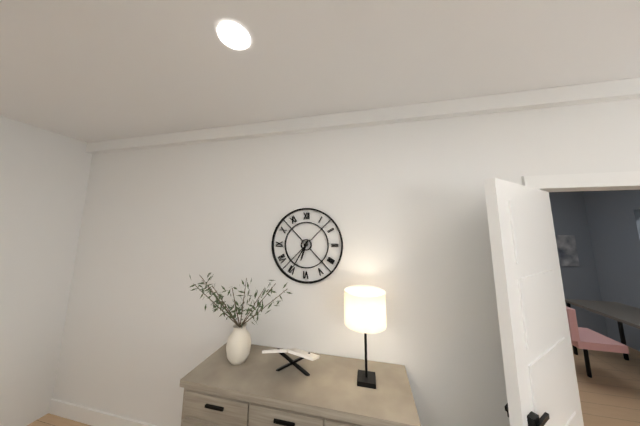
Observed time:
{"hour": 6, "minute": 35}
